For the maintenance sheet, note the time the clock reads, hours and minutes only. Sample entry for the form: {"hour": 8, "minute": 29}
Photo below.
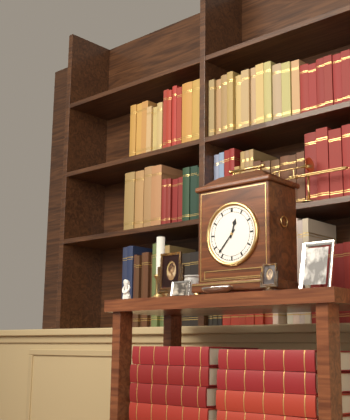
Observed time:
{"hour": 12, "minute": 37}
